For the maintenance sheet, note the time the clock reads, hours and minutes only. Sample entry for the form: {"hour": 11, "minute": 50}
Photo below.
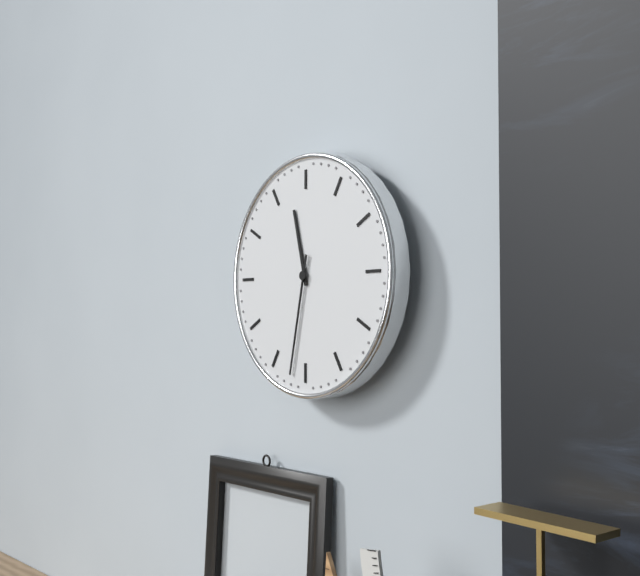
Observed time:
{"hour": 11, "minute": 32}
